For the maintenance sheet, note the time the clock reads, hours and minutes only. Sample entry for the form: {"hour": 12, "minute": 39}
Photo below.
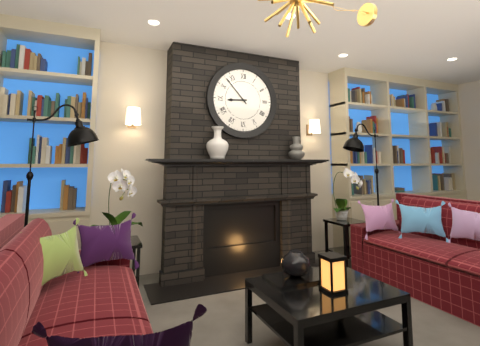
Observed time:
{"hour": 8, "minute": 53}
